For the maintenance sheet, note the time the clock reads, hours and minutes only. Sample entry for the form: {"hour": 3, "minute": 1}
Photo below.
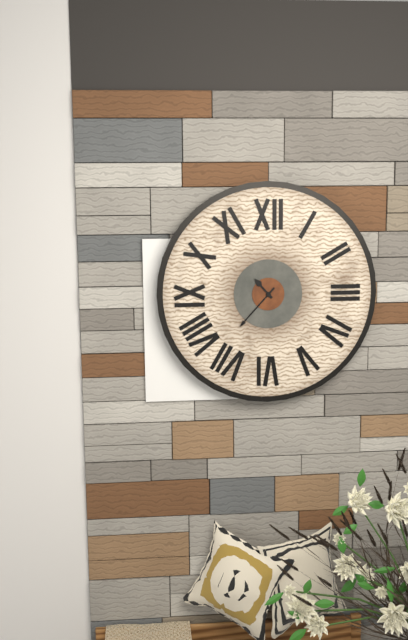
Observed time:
{"hour": 10, "minute": 37}
